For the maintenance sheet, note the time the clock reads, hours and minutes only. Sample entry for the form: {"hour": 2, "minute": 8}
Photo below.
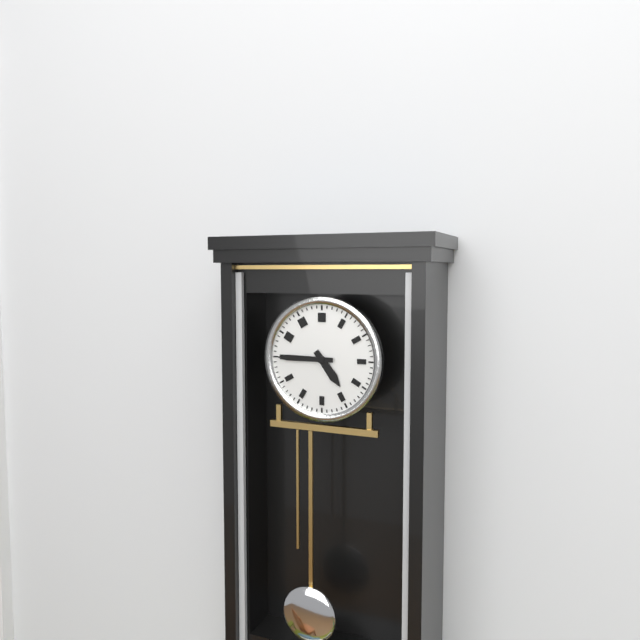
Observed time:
{"hour": 4, "minute": 45}
